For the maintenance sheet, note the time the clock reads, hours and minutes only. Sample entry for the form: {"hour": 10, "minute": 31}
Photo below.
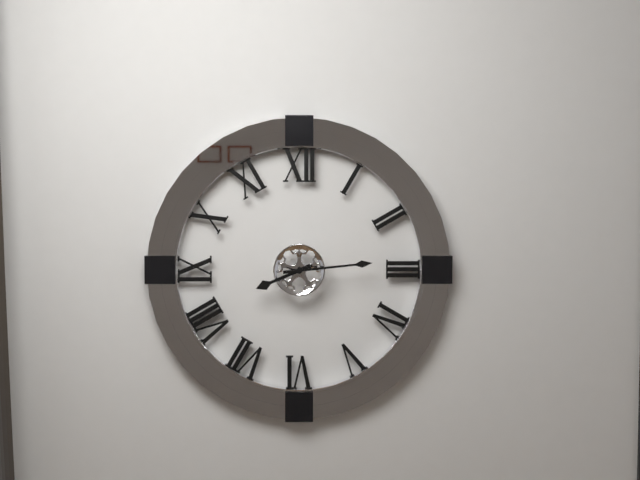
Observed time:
{"hour": 8, "minute": 14}
